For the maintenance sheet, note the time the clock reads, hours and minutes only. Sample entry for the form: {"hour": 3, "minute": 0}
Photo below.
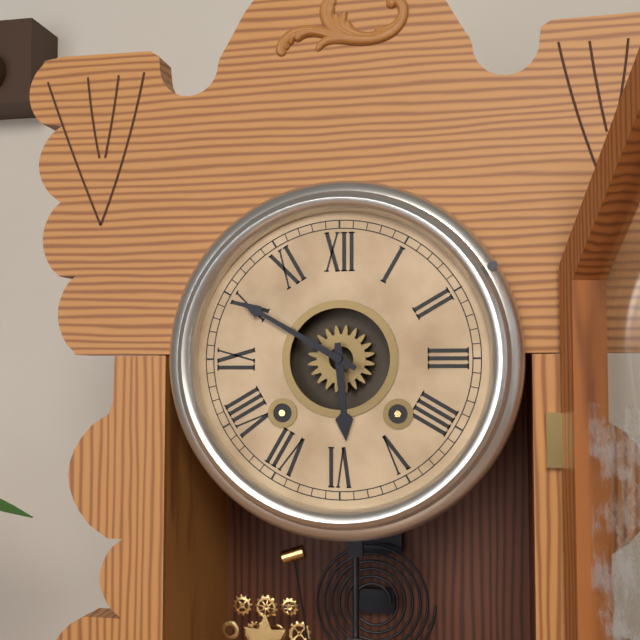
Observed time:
{"hour": 5, "minute": 50}
